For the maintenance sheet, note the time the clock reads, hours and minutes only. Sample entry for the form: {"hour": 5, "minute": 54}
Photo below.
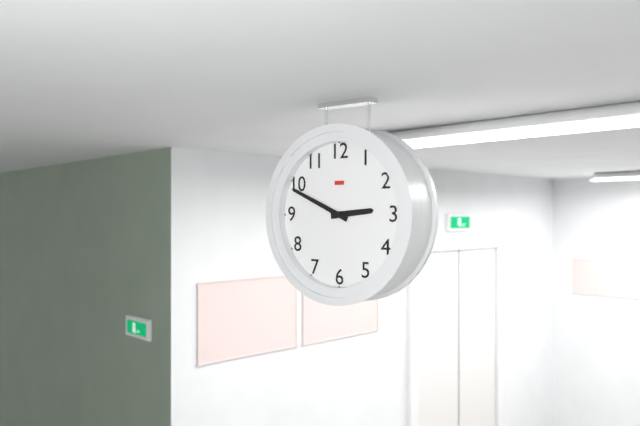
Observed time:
{"hour": 2, "minute": 49}
